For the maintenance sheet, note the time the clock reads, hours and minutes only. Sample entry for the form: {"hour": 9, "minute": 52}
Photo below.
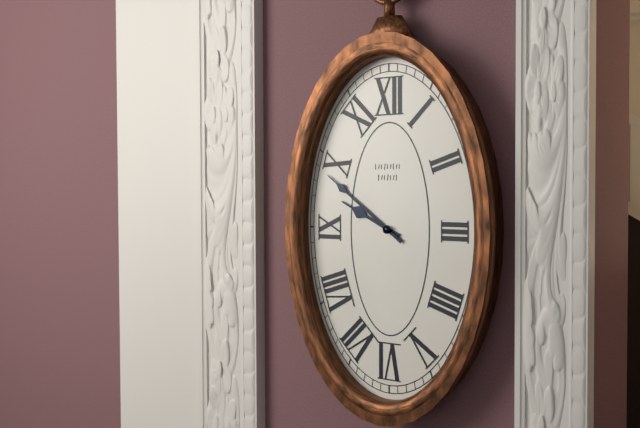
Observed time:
{"hour": 9, "minute": 51}
